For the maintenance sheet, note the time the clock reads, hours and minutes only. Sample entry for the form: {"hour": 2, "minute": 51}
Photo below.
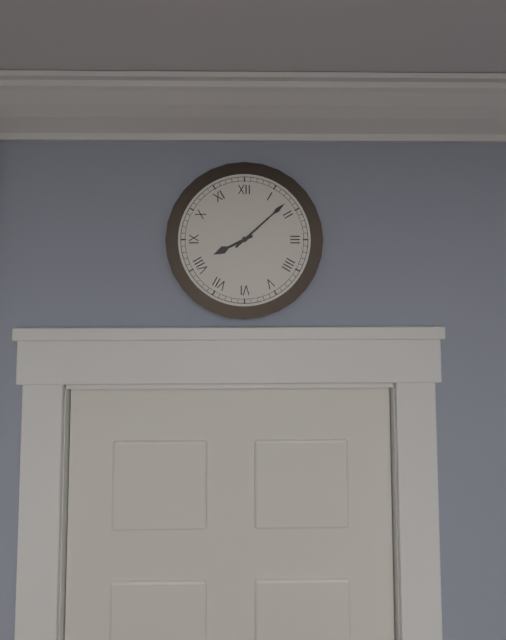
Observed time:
{"hour": 8, "minute": 8}
